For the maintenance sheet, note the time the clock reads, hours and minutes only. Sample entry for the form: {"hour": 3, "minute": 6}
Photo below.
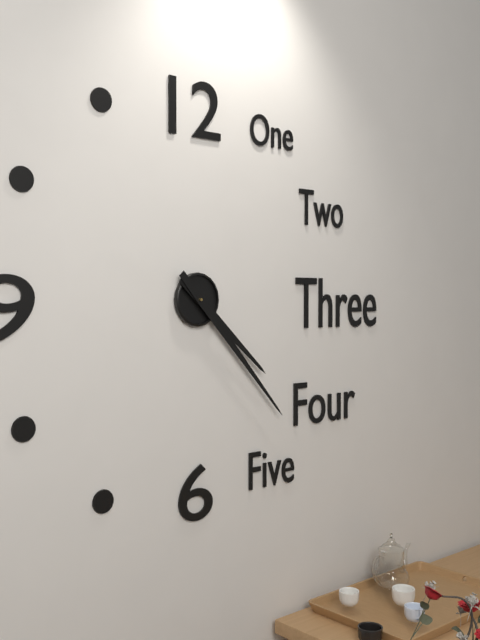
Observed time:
{"hour": 4, "minute": 23}
